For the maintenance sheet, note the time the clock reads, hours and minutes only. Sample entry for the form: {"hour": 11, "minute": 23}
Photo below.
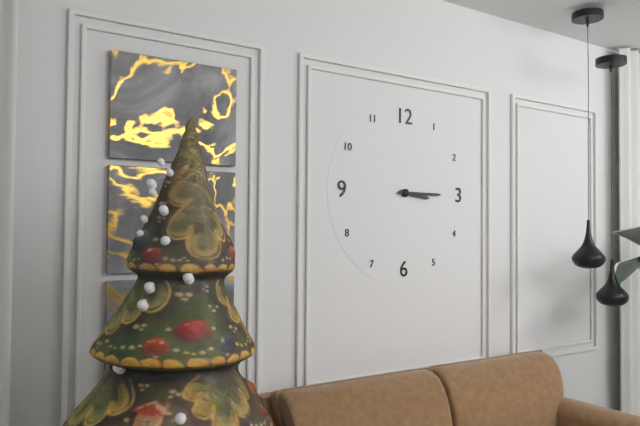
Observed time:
{"hour": 3, "minute": 15}
